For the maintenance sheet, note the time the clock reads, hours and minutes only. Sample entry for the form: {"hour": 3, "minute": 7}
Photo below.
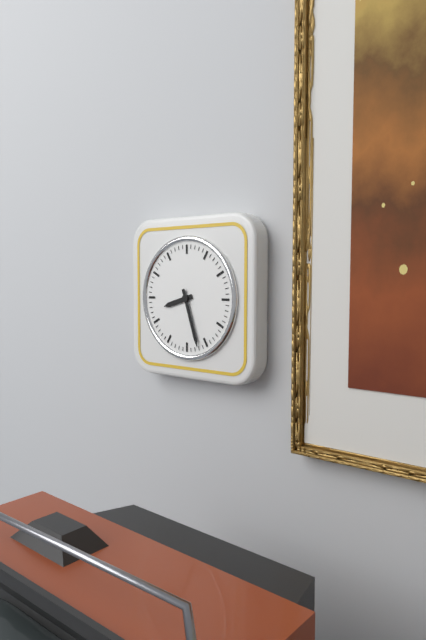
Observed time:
{"hour": 8, "minute": 27}
